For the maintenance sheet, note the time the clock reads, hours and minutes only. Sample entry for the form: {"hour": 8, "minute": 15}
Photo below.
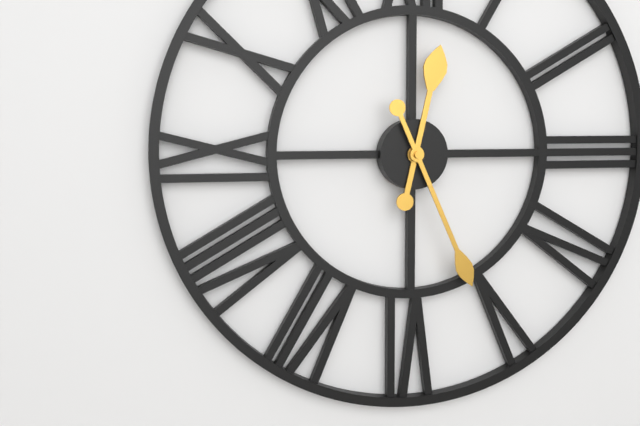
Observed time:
{"hour": 12, "minute": 26}
